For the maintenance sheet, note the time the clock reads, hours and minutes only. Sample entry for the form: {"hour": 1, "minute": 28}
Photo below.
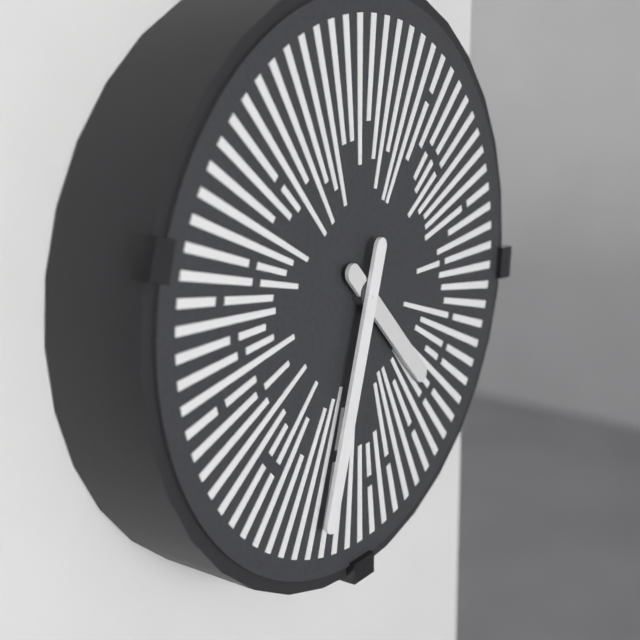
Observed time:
{"hour": 4, "minute": 33}
